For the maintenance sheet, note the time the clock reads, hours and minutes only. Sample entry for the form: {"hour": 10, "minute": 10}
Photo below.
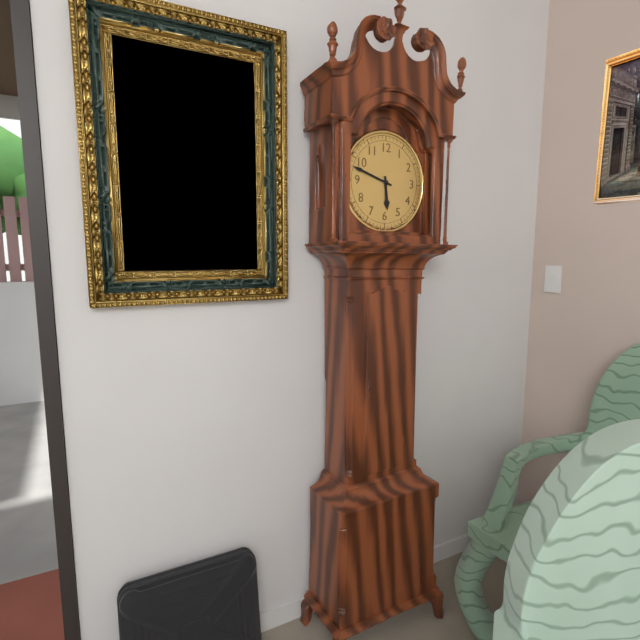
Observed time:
{"hour": 5, "minute": 48}
